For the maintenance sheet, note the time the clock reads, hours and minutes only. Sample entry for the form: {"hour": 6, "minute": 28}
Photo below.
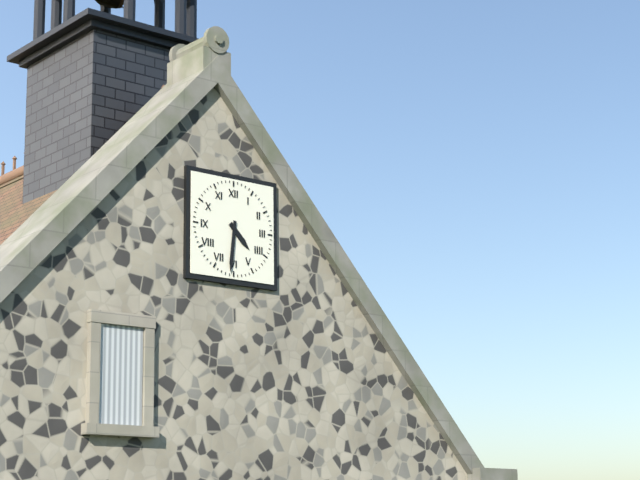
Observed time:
{"hour": 4, "minute": 31}
